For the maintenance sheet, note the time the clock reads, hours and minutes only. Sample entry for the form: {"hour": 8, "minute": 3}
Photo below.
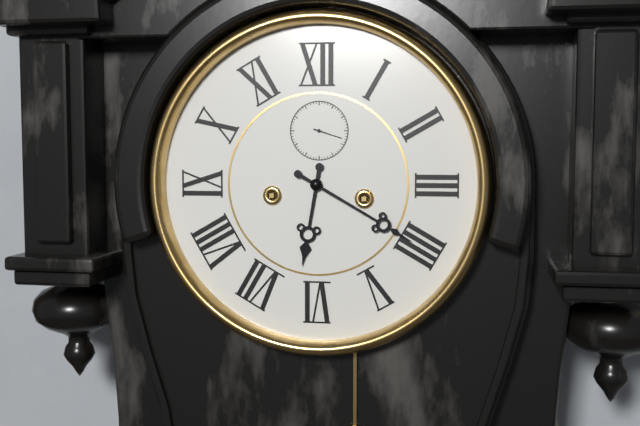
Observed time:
{"hour": 6, "minute": 20}
